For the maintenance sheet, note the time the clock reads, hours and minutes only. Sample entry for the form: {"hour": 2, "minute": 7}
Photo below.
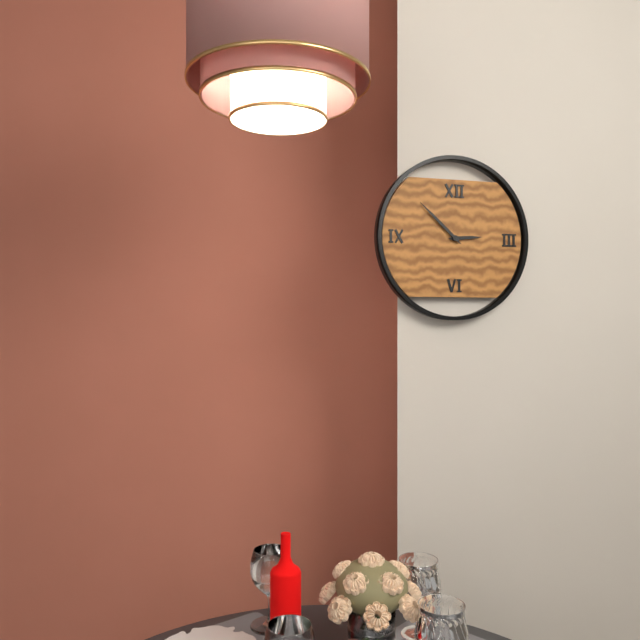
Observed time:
{"hour": 2, "minute": 52}
